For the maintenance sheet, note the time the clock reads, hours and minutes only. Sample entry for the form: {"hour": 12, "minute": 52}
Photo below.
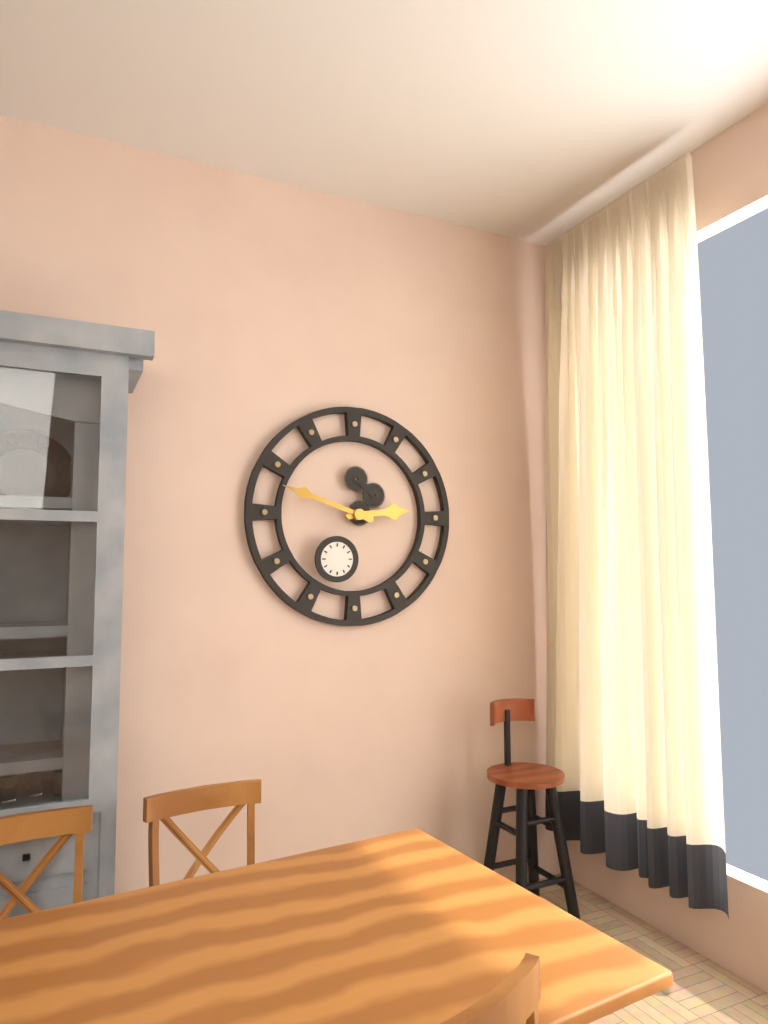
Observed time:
{"hour": 2, "minute": 48}
